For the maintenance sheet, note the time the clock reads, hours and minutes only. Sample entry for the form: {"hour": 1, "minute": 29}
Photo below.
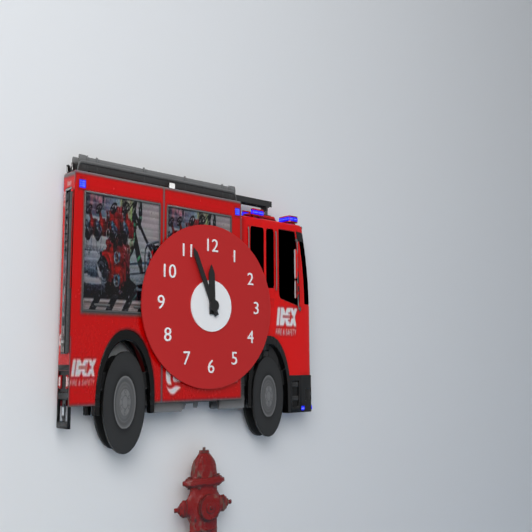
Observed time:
{"hour": 11, "minute": 56}
